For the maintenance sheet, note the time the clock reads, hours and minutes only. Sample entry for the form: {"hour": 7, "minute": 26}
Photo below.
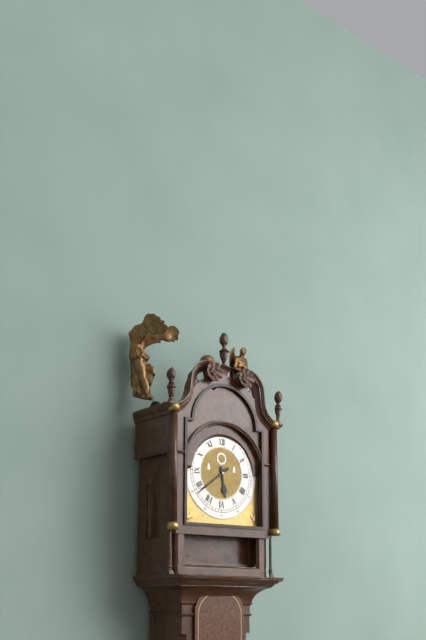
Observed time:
{"hour": 5, "minute": 39}
